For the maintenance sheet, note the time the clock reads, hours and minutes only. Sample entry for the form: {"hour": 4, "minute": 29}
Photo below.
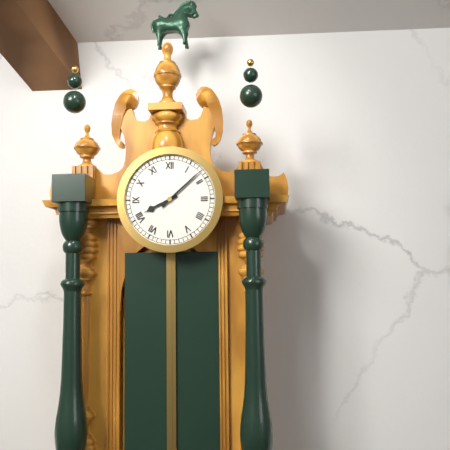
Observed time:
{"hour": 8, "minute": 8}
